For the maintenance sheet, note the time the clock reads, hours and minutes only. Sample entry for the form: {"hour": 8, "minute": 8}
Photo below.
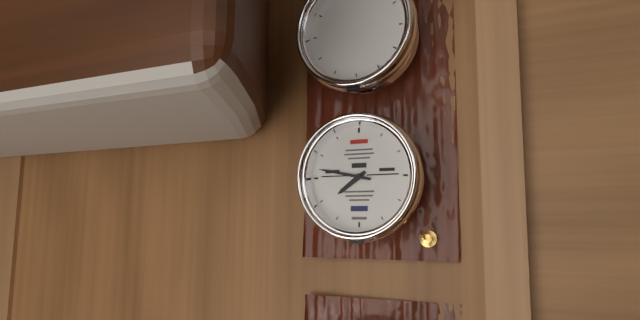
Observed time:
{"hour": 7, "minute": 47}
